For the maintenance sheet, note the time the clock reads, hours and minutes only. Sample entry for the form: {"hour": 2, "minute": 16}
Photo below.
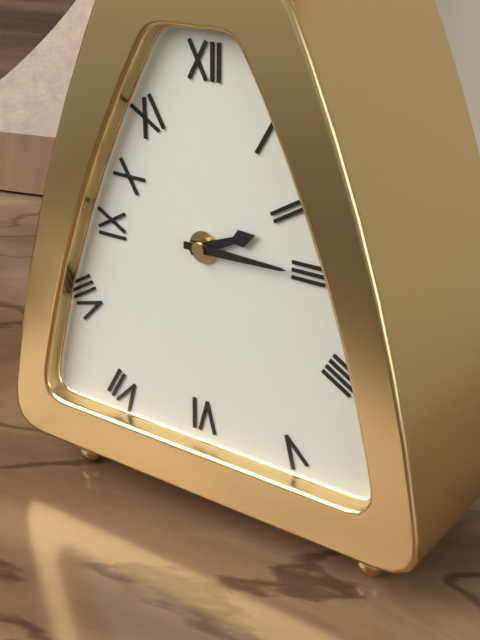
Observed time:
{"hour": 2, "minute": 15}
